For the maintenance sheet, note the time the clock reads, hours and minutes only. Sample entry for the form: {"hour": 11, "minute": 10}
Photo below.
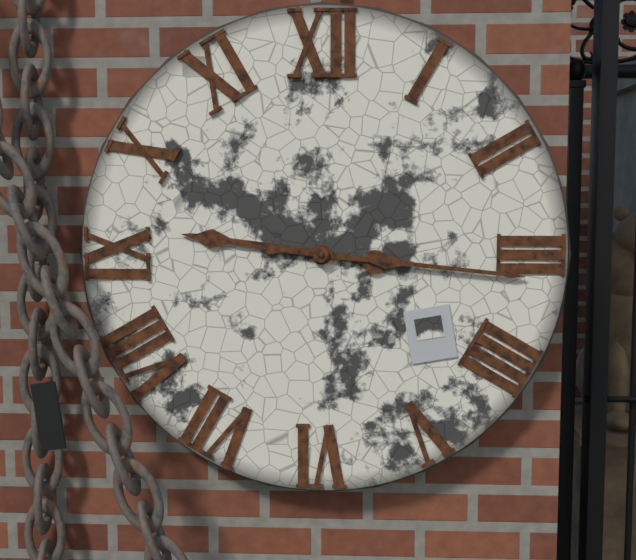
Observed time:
{"hour": 9, "minute": 16}
